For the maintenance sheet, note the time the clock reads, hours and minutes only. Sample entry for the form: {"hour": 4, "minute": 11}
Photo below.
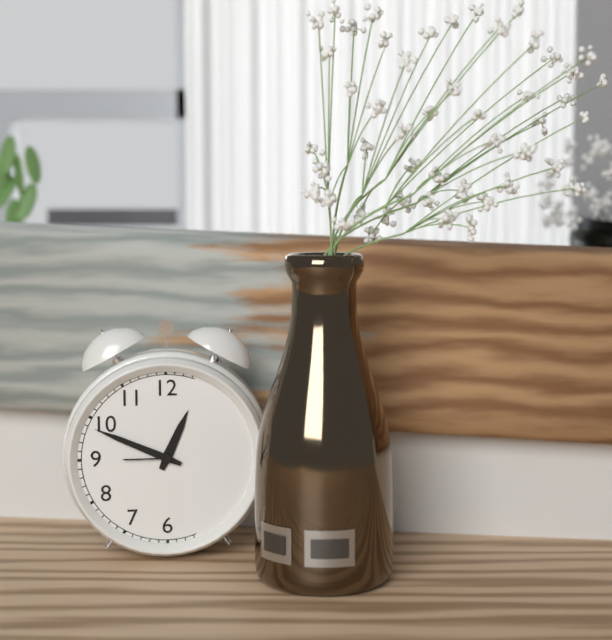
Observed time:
{"hour": 12, "minute": 49}
